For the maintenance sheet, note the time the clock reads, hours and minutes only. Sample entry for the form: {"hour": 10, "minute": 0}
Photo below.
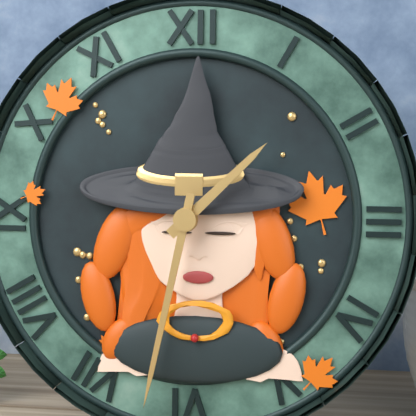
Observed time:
{"hour": 1, "minute": 32}
